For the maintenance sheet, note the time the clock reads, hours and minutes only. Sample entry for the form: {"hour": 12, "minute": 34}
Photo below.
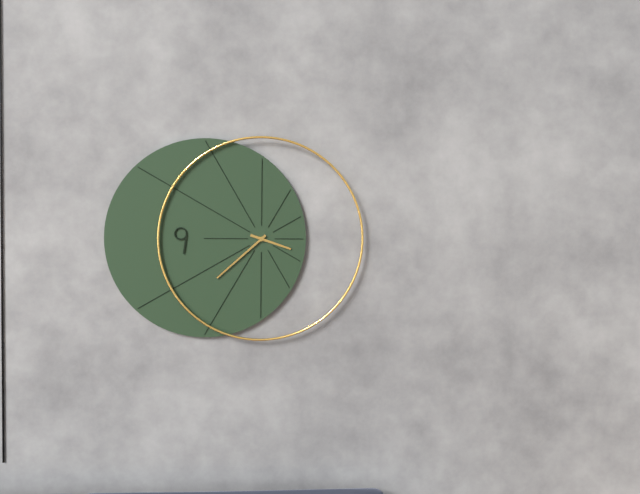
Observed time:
{"hour": 3, "minute": 38}
